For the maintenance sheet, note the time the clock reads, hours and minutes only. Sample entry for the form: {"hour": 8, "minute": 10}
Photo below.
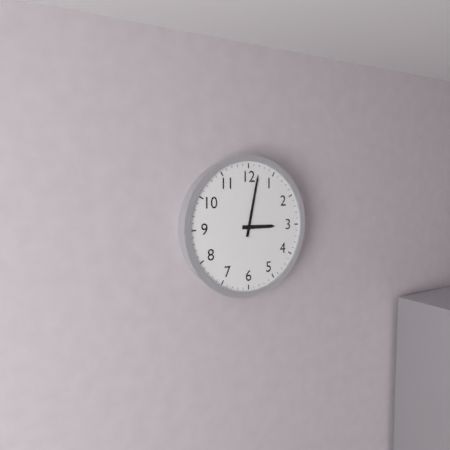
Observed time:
{"hour": 3, "minute": 2}
